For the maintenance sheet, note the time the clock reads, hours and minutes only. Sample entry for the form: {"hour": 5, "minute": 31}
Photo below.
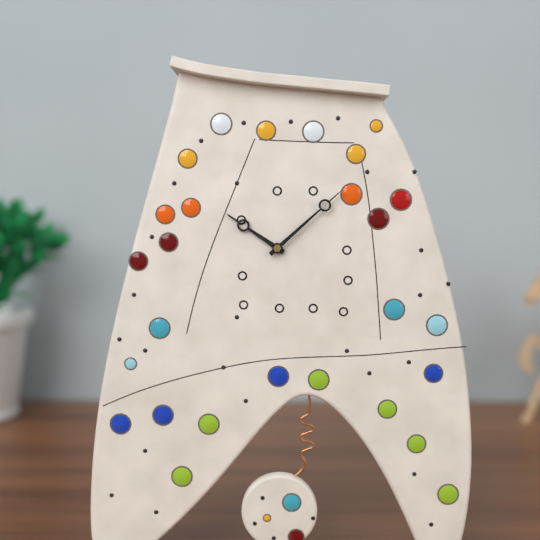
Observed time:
{"hour": 10, "minute": 8}
